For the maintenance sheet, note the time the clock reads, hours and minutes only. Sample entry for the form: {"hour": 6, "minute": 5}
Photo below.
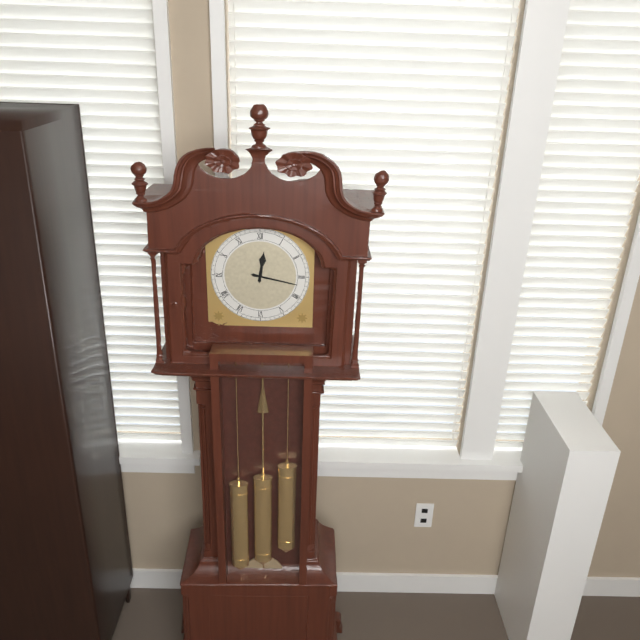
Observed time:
{"hour": 12, "minute": 17}
